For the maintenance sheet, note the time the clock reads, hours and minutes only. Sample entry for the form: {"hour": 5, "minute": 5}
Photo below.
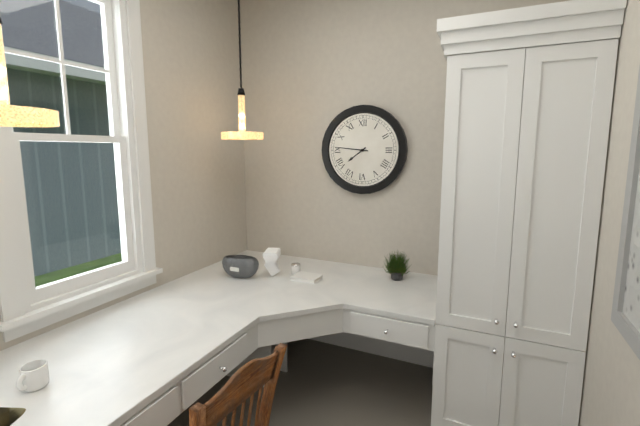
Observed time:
{"hour": 7, "minute": 46}
